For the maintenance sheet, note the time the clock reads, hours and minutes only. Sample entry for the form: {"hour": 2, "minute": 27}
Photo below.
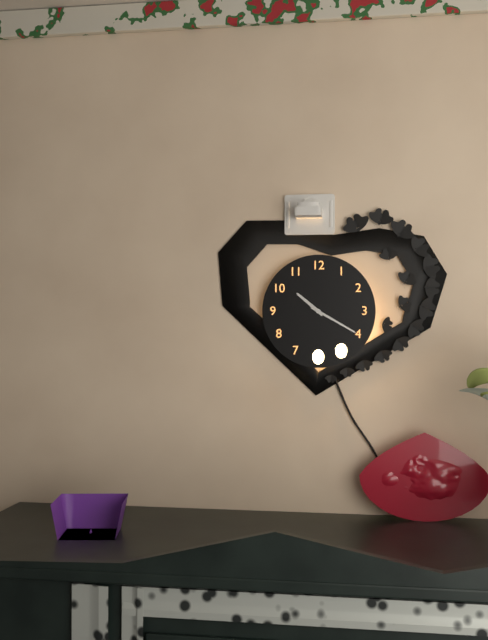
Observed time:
{"hour": 10, "minute": 20}
